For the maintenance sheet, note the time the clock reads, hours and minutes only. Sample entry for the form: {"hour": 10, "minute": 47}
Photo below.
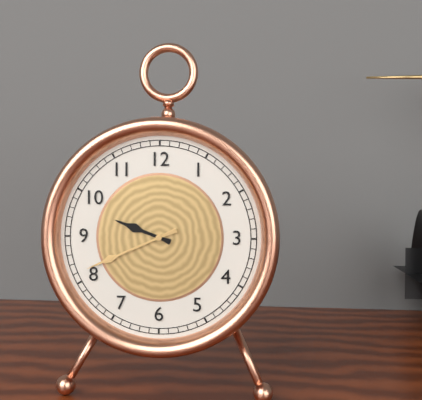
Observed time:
{"hour": 9, "minute": 41}
